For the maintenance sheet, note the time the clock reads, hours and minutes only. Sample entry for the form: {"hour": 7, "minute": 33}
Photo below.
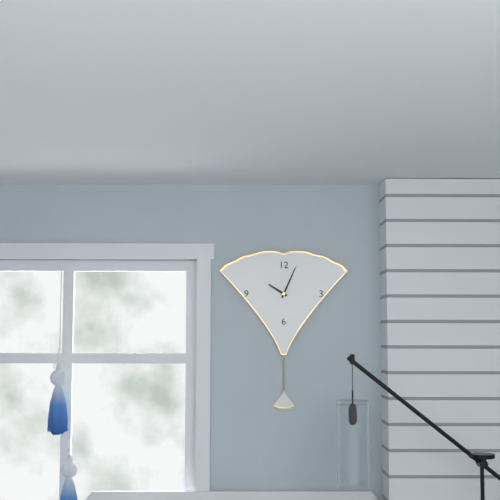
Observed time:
{"hour": 10, "minute": 4}
